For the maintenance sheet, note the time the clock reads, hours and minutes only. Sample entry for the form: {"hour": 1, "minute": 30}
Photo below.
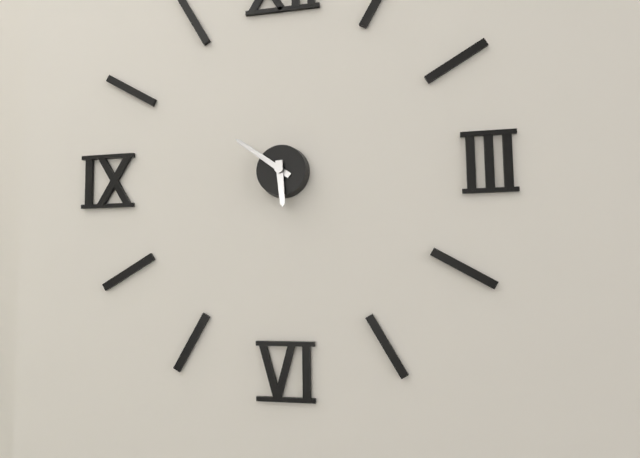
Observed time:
{"hour": 5, "minute": 51}
